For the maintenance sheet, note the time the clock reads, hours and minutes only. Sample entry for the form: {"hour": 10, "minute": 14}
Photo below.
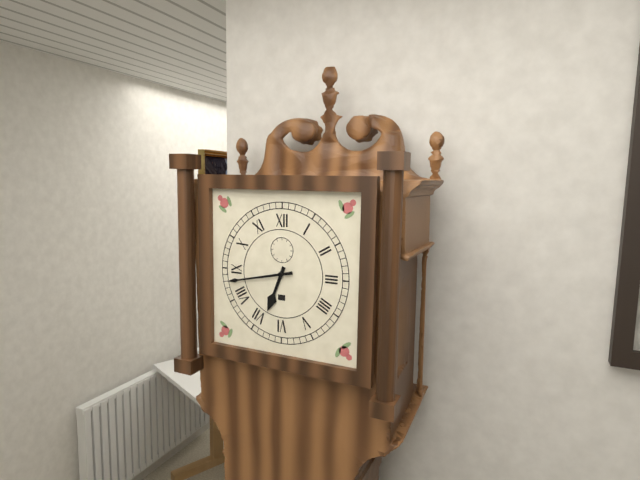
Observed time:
{"hour": 6, "minute": 43}
